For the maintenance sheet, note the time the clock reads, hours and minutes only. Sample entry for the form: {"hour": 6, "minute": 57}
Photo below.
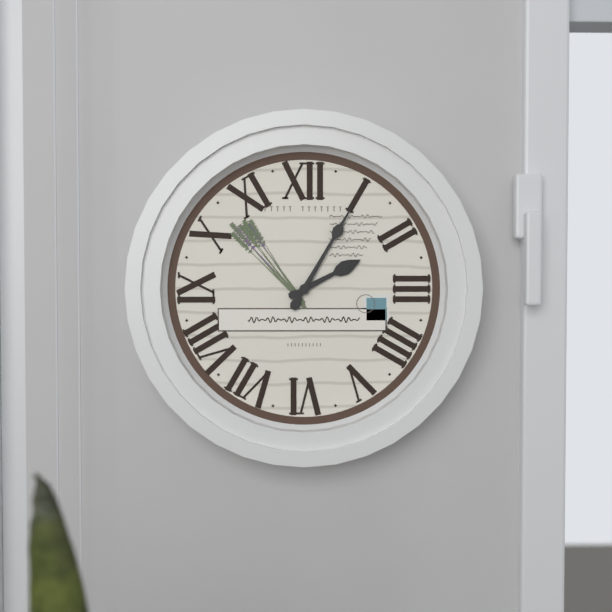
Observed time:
{"hour": 2, "minute": 5}
